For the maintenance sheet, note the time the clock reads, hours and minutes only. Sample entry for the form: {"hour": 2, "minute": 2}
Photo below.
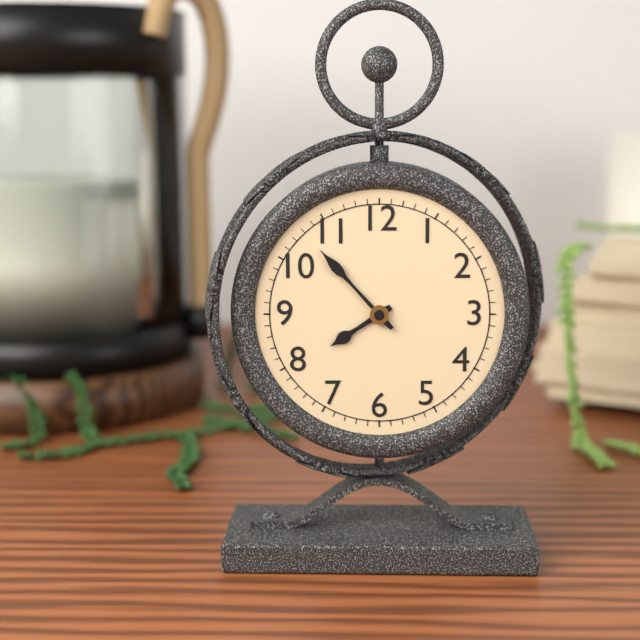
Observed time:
{"hour": 7, "minute": 53}
